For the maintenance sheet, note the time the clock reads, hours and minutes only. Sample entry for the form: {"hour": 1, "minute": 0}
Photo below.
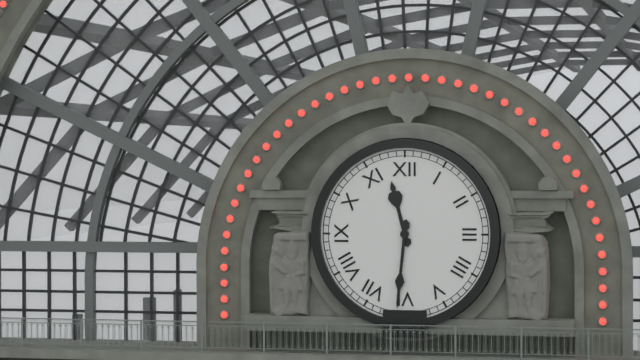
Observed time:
{"hour": 11, "minute": 31}
